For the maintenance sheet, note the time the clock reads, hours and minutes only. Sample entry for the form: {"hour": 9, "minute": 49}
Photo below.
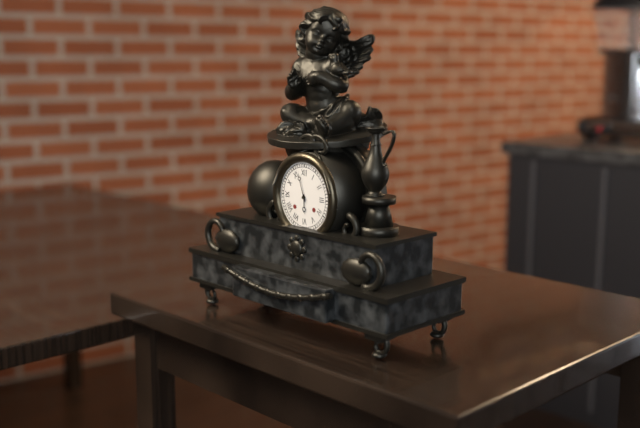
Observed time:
{"hour": 5, "minute": 57}
